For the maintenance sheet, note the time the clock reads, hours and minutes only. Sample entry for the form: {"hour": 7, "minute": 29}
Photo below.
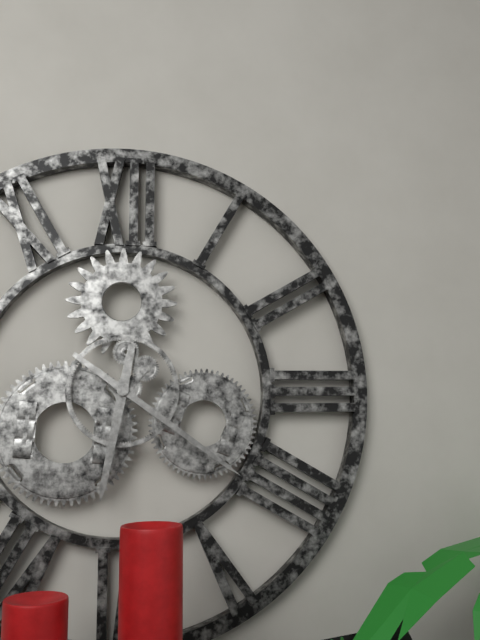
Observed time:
{"hour": 6, "minute": 21}
